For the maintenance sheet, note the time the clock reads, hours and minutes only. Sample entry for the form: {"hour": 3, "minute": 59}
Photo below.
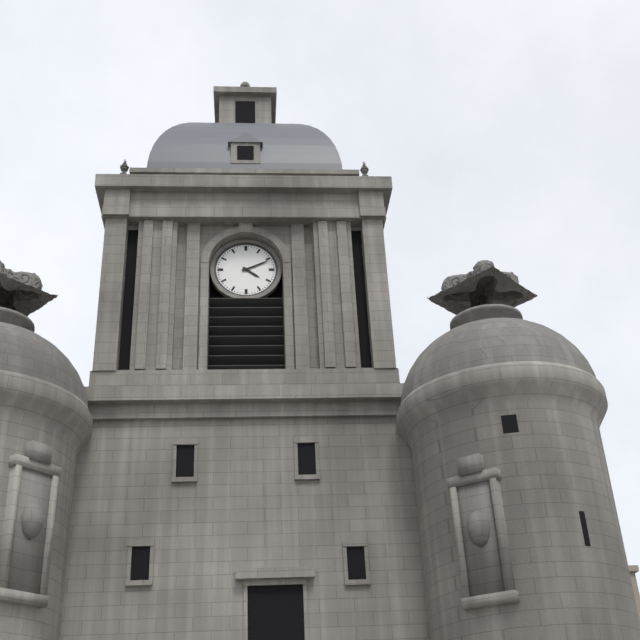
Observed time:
{"hour": 4, "minute": 11}
